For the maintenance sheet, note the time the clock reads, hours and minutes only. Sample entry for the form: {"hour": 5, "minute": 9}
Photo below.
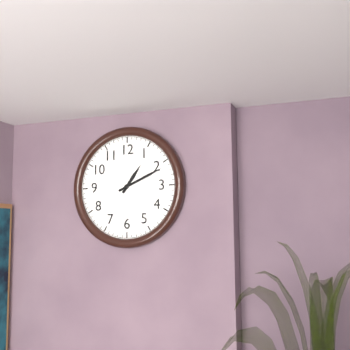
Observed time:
{"hour": 1, "minute": 11}
